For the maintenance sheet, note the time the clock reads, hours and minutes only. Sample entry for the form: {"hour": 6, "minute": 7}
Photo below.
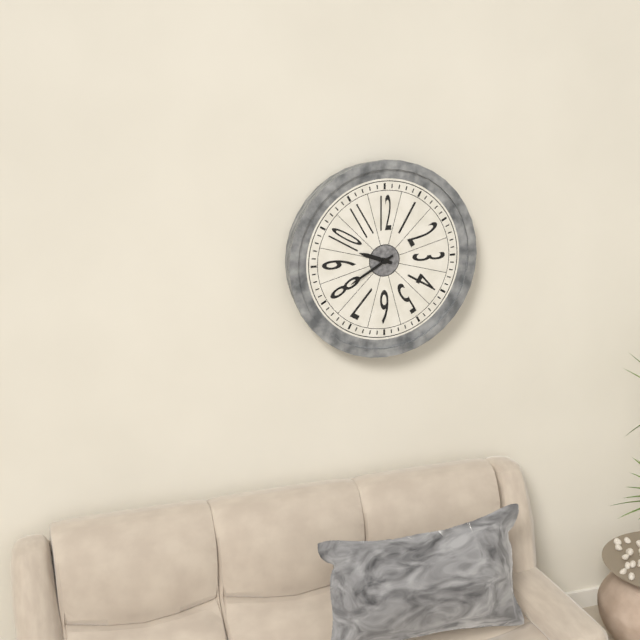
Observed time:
{"hour": 9, "minute": 40}
